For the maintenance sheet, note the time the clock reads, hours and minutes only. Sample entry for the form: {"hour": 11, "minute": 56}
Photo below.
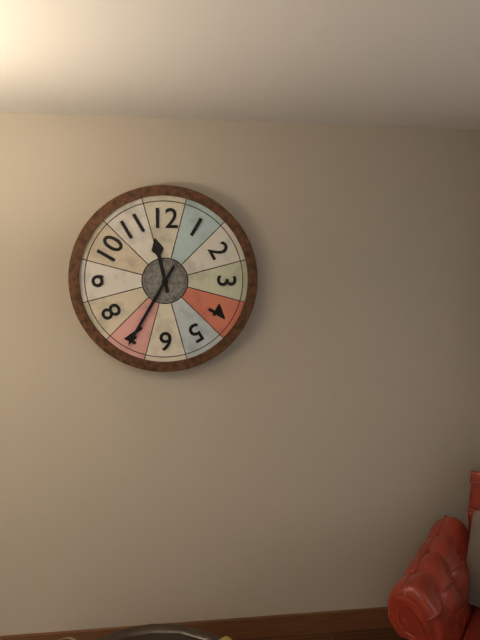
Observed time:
{"hour": 11, "minute": 35}
